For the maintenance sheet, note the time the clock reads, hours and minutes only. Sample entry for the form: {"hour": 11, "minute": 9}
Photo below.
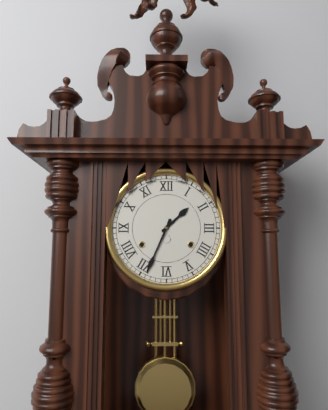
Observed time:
{"hour": 1, "minute": 34}
